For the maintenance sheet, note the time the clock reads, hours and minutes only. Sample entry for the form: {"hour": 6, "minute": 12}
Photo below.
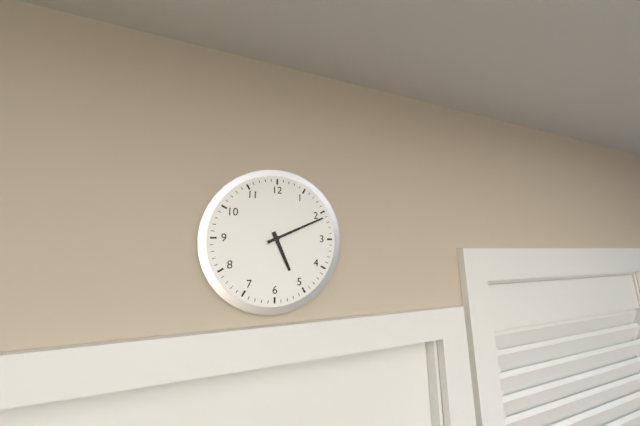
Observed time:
{"hour": 5, "minute": 11}
